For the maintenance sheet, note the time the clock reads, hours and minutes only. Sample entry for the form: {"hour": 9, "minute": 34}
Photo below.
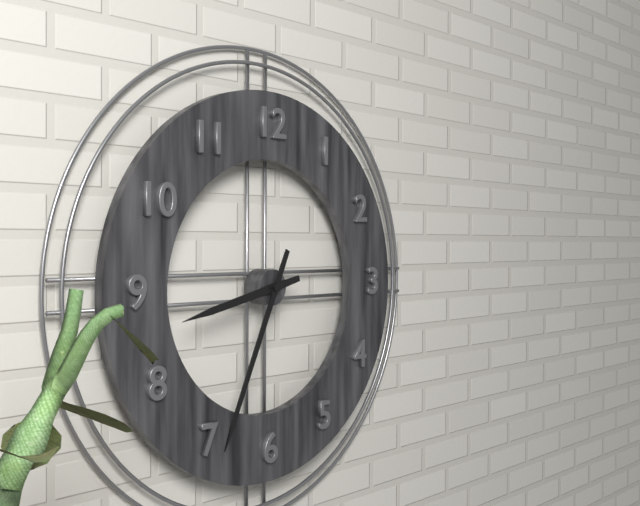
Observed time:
{"hour": 8, "minute": 34}
